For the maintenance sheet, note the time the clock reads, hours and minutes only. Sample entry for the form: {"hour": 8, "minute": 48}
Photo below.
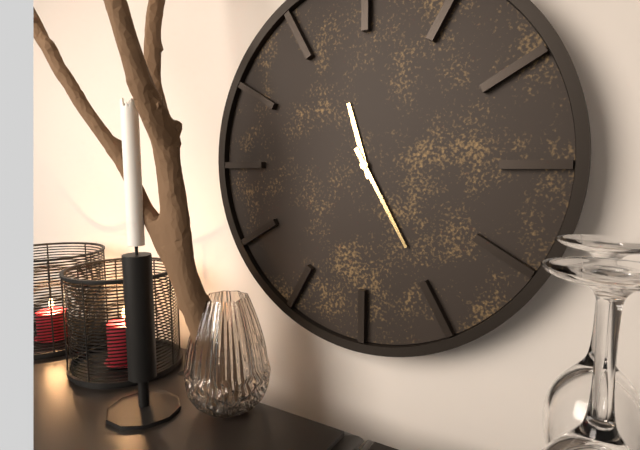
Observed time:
{"hour": 11, "minute": 25}
